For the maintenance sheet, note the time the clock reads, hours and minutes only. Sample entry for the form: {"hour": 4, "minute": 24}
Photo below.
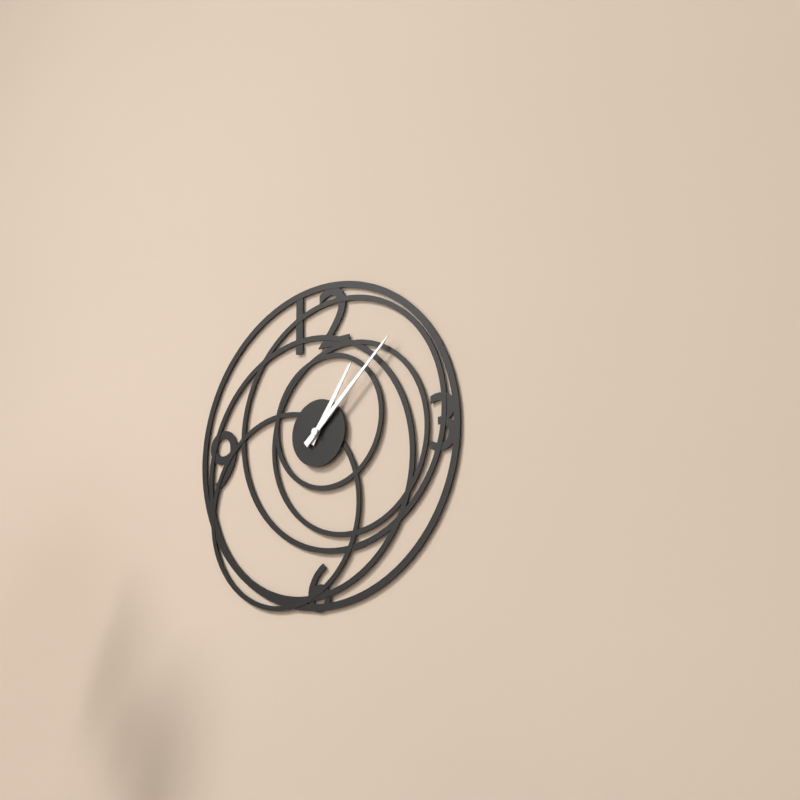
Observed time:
{"hour": 1, "minute": 8}
